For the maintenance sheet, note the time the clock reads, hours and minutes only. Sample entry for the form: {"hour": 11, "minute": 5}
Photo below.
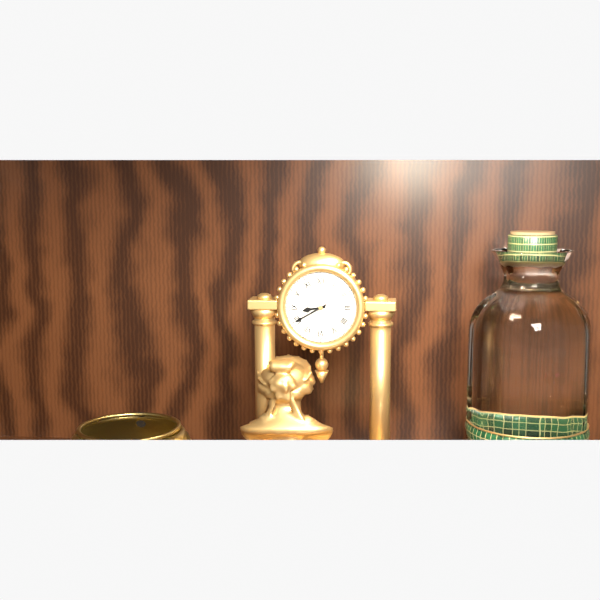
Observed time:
{"hour": 8, "minute": 40}
